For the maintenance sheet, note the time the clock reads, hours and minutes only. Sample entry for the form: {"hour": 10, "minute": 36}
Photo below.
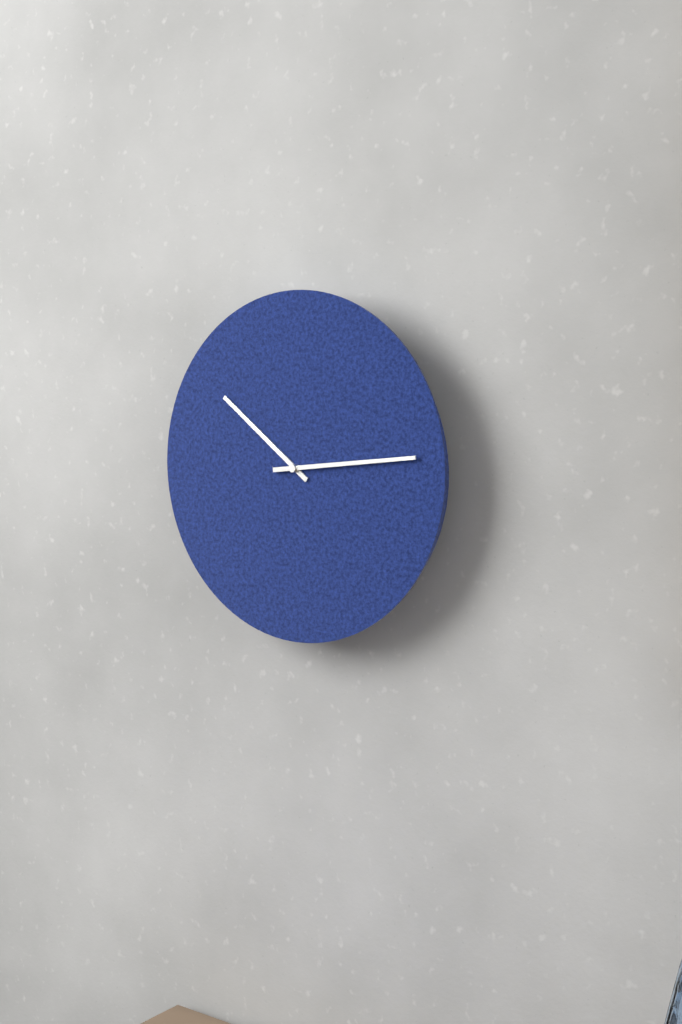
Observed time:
{"hour": 10, "minute": 14}
